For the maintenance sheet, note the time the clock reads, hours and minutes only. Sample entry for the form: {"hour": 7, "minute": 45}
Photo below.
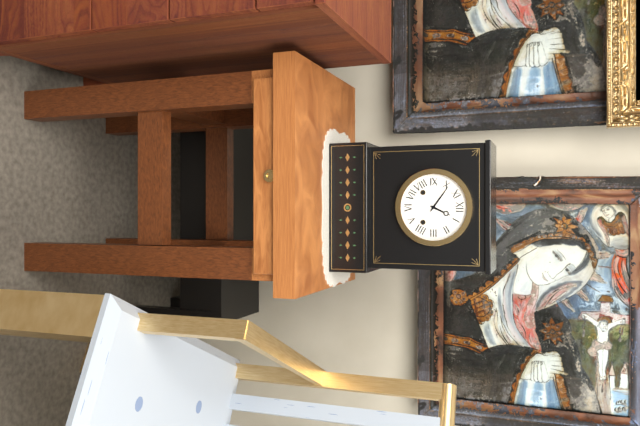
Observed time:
{"hour": 12, "minute": 51}
